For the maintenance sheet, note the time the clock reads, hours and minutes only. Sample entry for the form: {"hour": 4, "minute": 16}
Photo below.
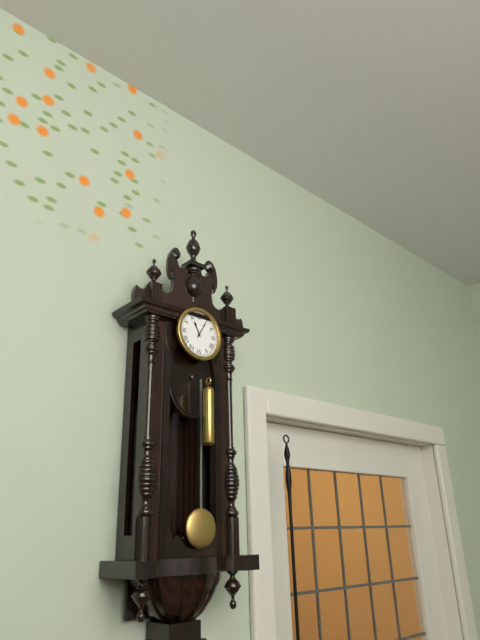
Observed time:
{"hour": 11, "minute": 5}
